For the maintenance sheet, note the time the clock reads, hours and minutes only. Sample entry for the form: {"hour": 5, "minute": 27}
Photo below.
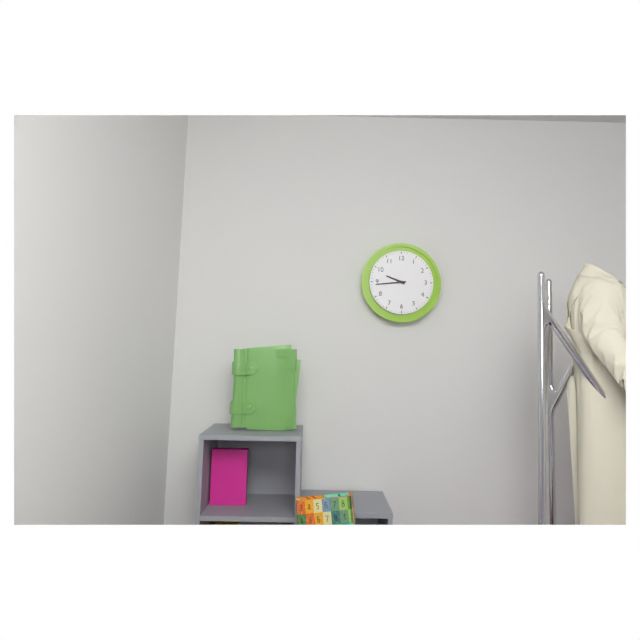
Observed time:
{"hour": 9, "minute": 44}
